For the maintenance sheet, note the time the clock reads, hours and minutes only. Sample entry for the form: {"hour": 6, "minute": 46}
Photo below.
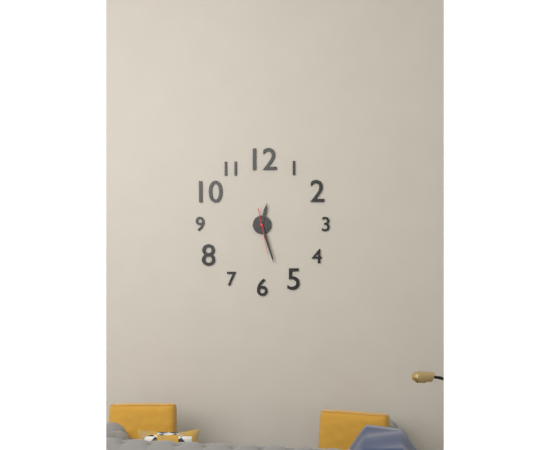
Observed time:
{"hour": 12, "minute": 27}
